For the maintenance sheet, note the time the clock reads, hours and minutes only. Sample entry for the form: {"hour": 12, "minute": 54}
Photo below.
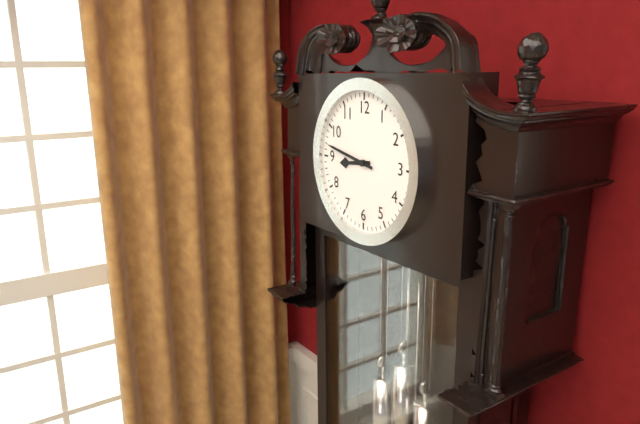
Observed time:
{"hour": 8, "minute": 47}
